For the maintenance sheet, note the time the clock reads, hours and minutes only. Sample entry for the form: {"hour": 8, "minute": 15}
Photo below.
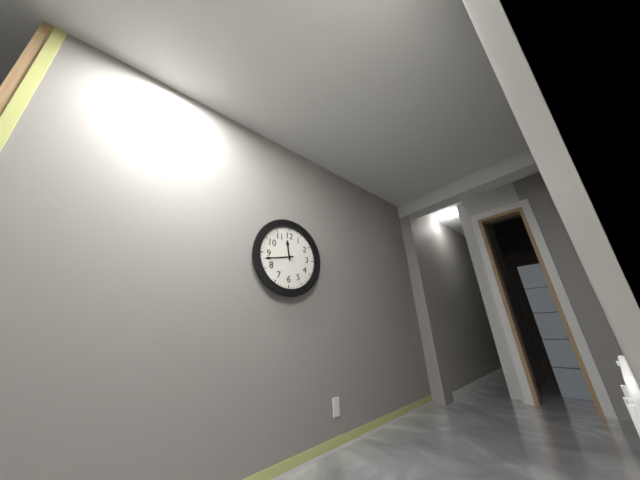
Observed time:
{"hour": 11, "minute": 43}
